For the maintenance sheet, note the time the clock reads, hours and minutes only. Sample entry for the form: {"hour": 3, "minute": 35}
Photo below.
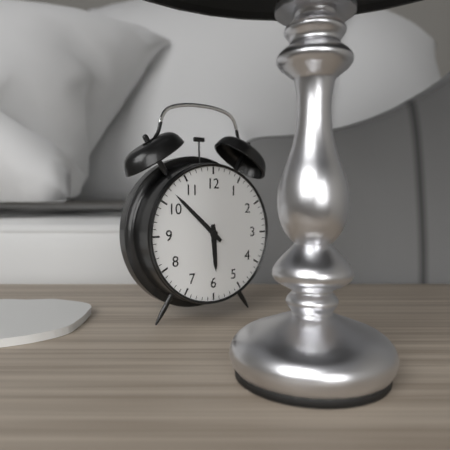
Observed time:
{"hour": 5, "minute": 52}
